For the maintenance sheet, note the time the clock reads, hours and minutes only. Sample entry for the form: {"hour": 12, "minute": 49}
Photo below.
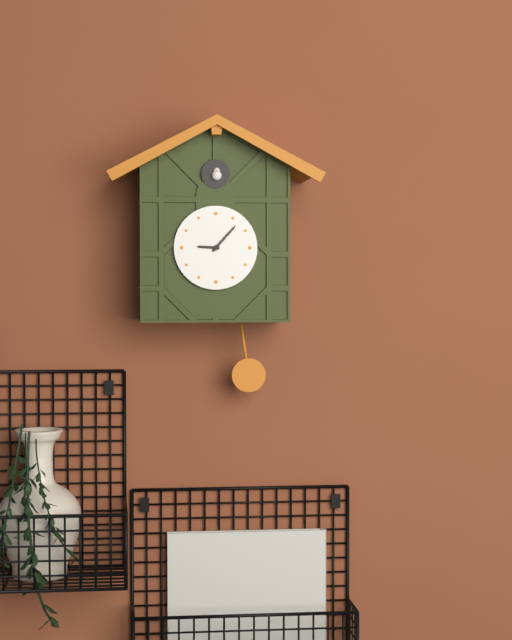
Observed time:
{"hour": 9, "minute": 7}
